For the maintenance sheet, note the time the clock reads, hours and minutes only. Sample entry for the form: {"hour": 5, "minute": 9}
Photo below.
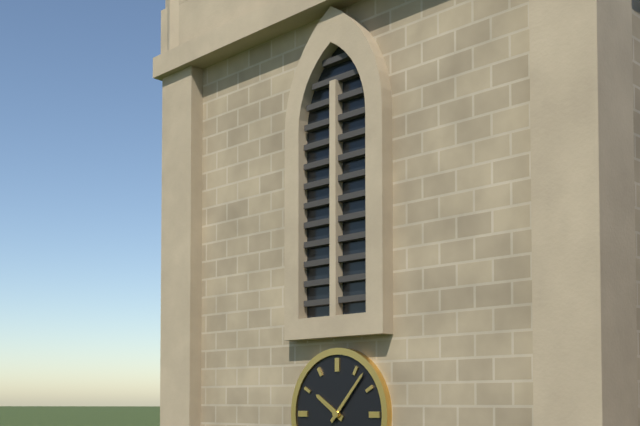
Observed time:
{"hour": 10, "minute": 7}
